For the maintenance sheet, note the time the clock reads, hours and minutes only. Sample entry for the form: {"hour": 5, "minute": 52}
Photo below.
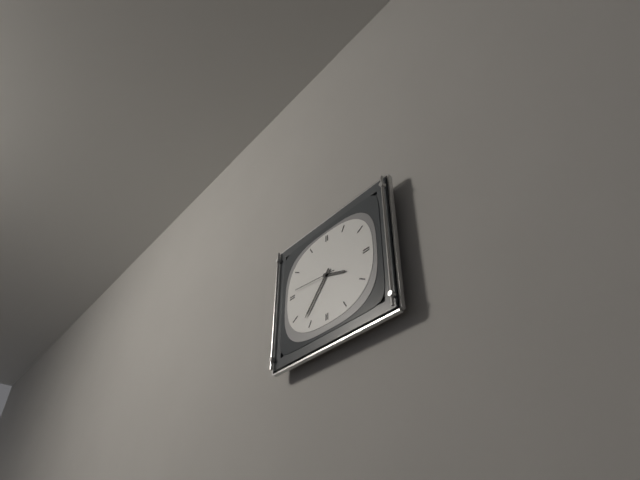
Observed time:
{"hour": 3, "minute": 37}
